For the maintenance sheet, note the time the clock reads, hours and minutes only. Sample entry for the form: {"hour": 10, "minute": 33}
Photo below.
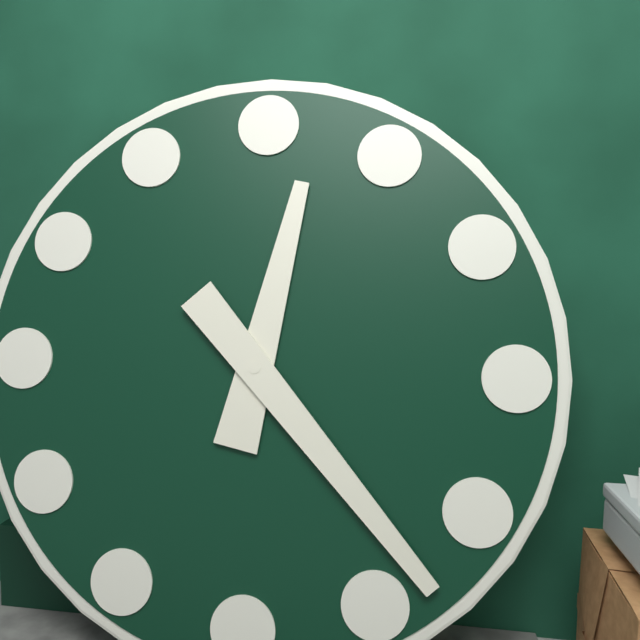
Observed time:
{"hour": 12, "minute": 23}
